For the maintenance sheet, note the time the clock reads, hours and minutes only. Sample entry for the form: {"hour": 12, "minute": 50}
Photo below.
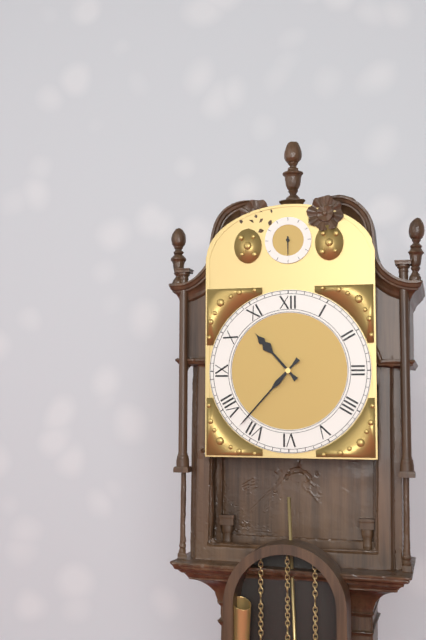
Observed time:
{"hour": 10, "minute": 37}
